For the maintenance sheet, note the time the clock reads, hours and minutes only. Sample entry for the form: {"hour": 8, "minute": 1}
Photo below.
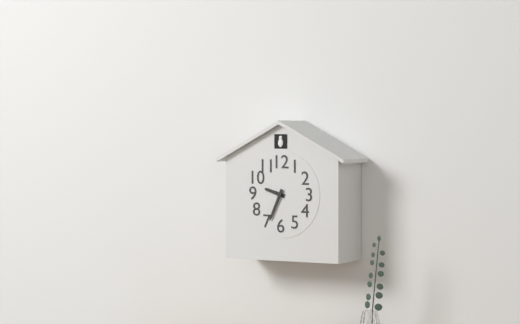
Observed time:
{"hour": 9, "minute": 34}
